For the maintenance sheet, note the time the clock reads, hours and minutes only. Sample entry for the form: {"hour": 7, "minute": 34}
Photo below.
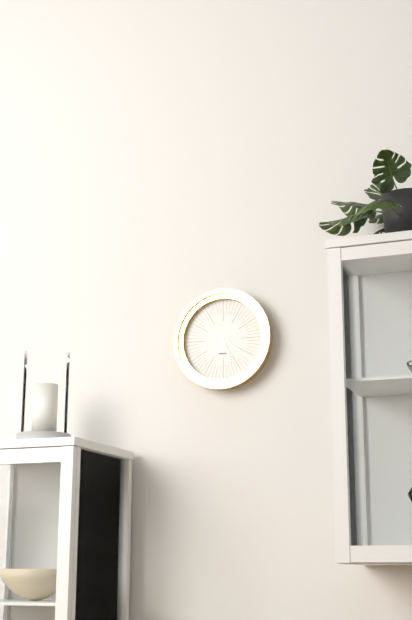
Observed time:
{"hour": 5, "minute": 21}
